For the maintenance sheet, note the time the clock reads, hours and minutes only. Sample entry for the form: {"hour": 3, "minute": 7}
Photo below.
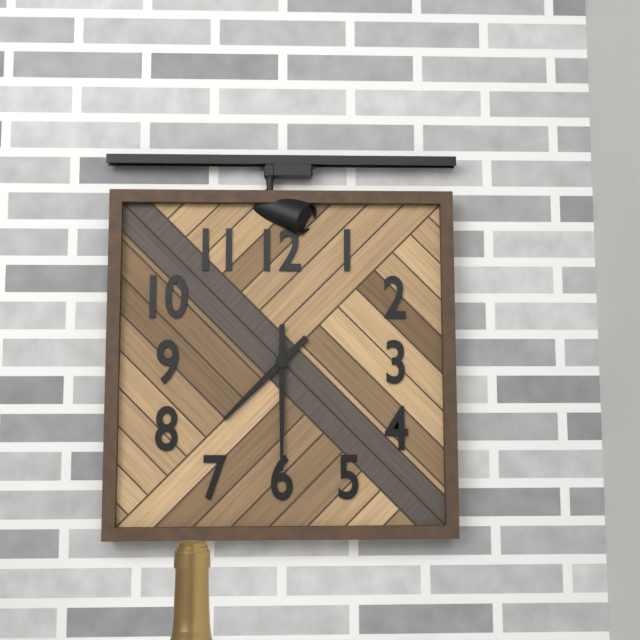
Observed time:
{"hour": 7, "minute": 30}
